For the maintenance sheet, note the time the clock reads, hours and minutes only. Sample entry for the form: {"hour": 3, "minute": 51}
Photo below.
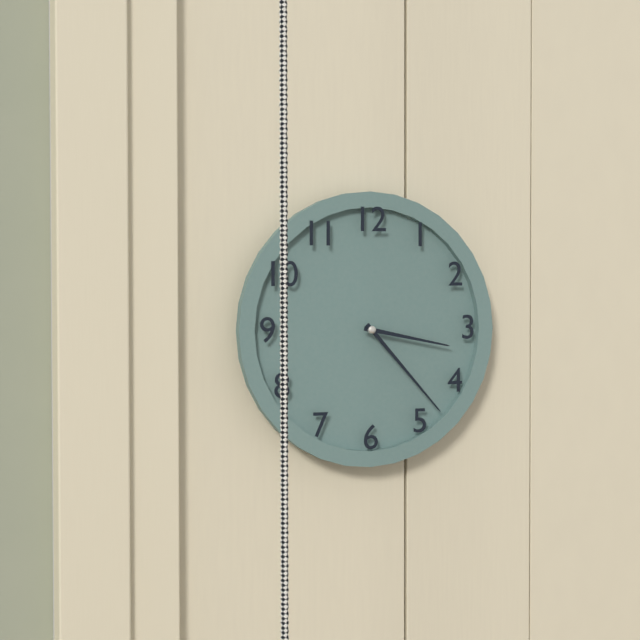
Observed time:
{"hour": 3, "minute": 23}
